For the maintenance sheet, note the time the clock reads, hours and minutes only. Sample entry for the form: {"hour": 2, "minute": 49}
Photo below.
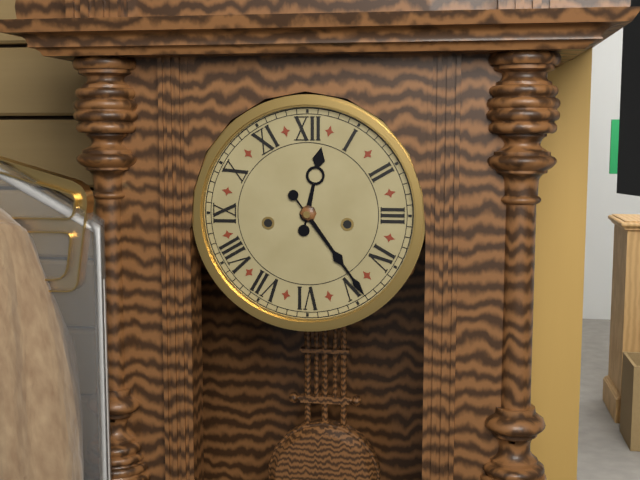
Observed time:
{"hour": 12, "minute": 24}
